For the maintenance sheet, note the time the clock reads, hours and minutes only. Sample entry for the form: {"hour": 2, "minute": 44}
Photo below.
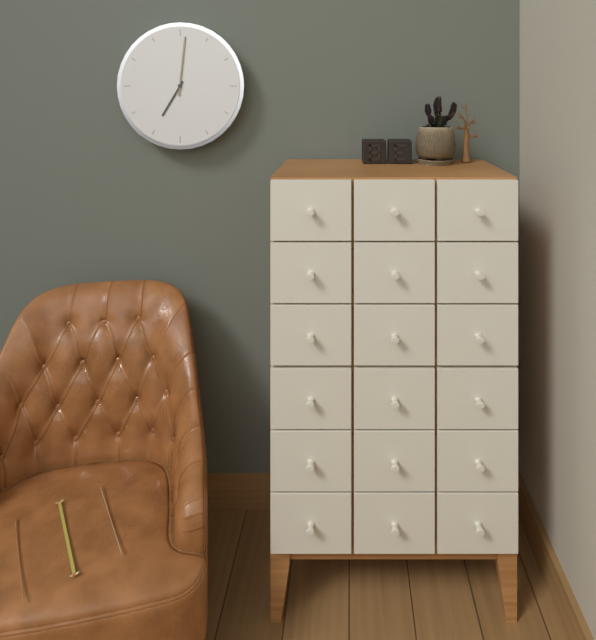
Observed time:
{"hour": 7, "minute": 1}
